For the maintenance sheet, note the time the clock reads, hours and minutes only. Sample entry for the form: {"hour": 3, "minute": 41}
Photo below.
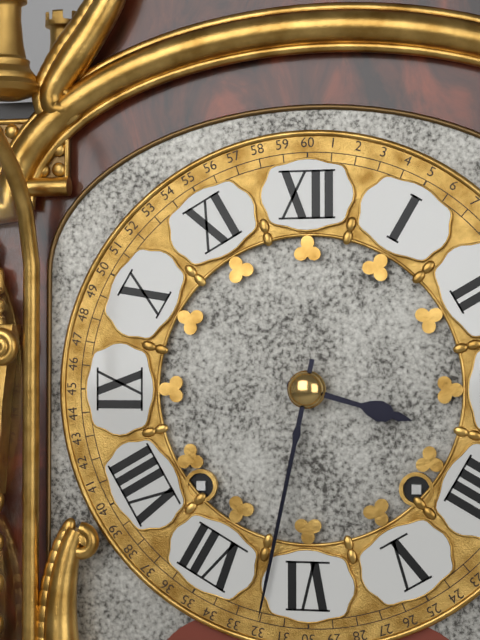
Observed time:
{"hour": 3, "minute": 32}
